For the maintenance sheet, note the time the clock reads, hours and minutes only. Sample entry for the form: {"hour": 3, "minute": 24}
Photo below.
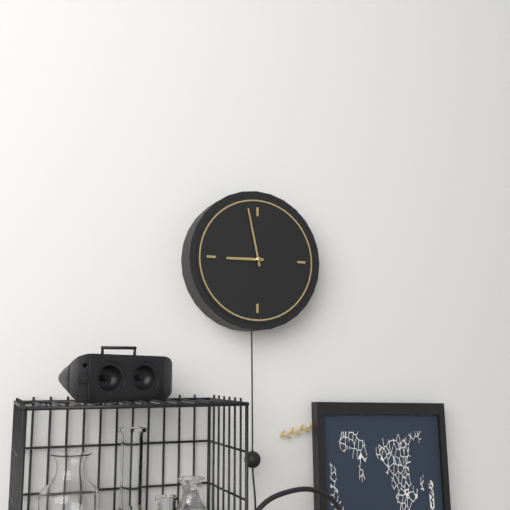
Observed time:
{"hour": 8, "minute": 58}
